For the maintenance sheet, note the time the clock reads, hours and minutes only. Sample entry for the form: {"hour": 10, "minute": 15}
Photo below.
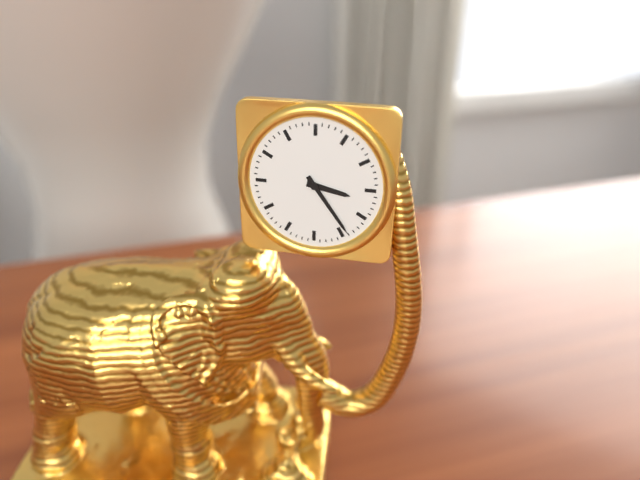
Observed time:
{"hour": 3, "minute": 24}
